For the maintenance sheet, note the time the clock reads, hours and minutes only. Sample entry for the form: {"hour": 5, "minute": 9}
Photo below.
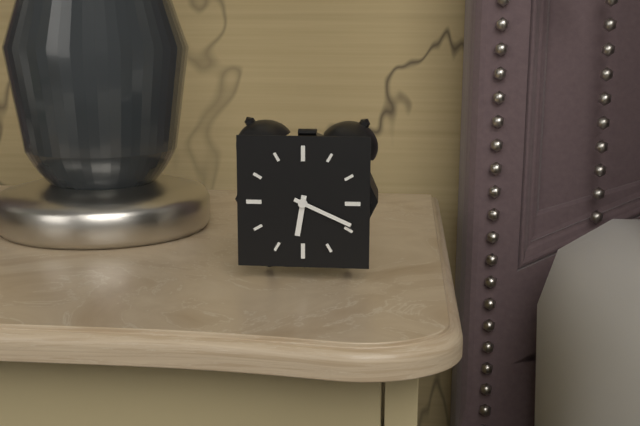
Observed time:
{"hour": 6, "minute": 19}
